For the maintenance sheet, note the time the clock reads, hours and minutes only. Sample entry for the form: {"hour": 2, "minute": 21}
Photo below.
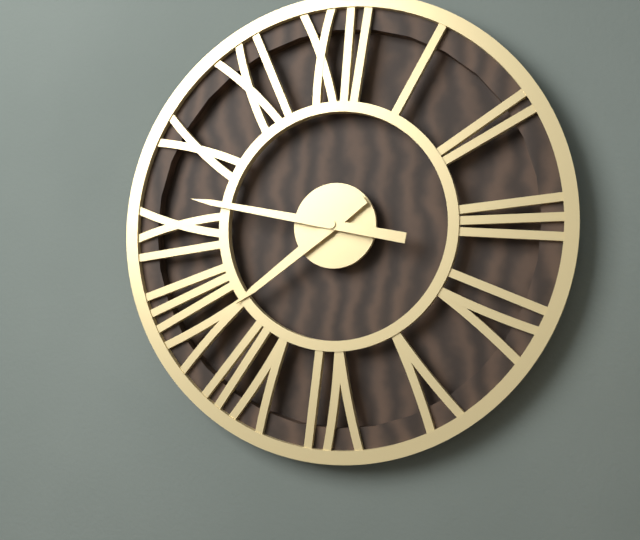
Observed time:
{"hour": 7, "minute": 47}
